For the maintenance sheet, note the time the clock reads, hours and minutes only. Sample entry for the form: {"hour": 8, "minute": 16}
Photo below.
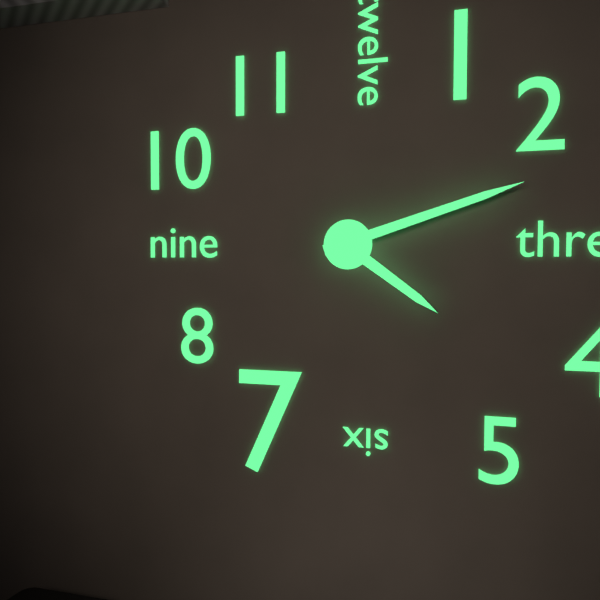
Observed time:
{"hour": 4, "minute": 12}
